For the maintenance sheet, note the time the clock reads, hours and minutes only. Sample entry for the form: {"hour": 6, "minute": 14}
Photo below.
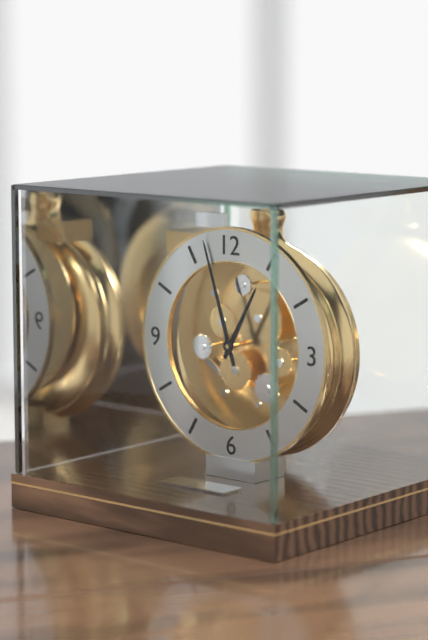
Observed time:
{"hour": 12, "minute": 57}
